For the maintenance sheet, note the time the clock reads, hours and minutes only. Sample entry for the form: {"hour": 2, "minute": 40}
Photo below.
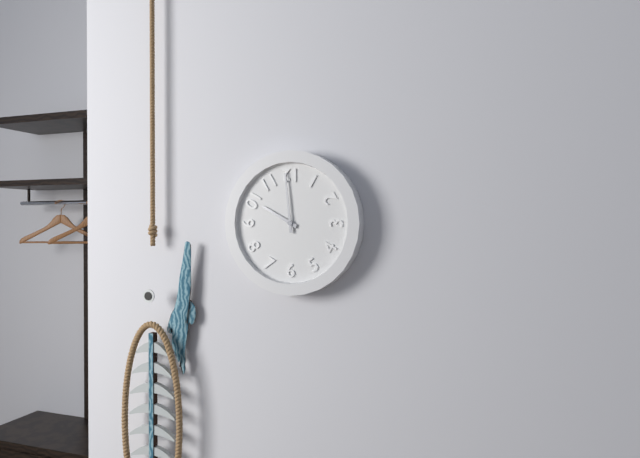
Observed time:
{"hour": 9, "minute": 59}
